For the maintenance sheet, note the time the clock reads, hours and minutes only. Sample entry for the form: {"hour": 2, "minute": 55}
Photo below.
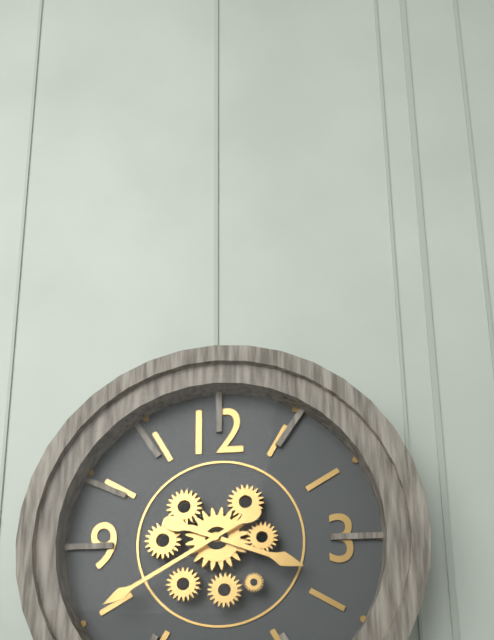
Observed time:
{"hour": 3, "minute": 40}
